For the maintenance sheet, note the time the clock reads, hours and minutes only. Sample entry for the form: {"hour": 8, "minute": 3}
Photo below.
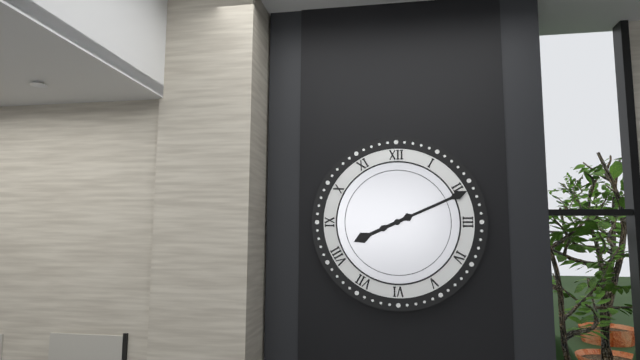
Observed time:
{"hour": 8, "minute": 11}
